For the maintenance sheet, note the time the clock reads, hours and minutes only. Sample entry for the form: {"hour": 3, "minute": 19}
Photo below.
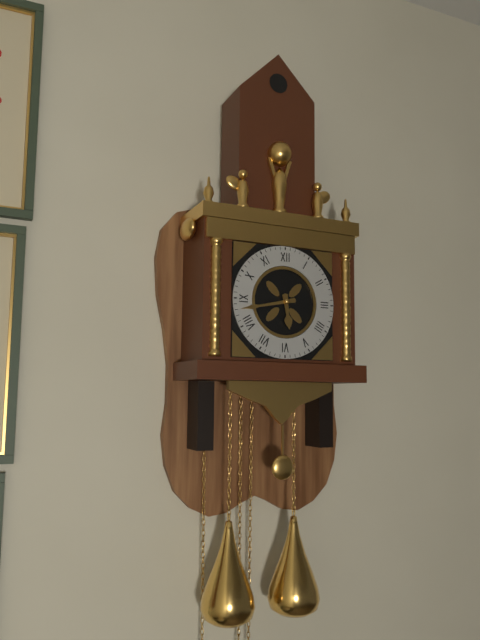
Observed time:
{"hour": 5, "minute": 43}
